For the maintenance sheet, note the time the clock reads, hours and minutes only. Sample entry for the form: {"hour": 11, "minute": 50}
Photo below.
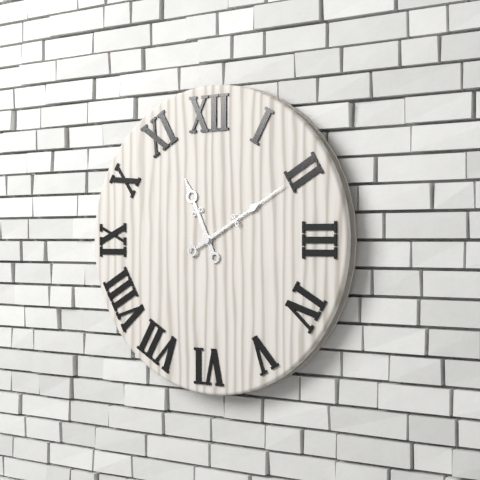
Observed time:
{"hour": 11, "minute": 10}
